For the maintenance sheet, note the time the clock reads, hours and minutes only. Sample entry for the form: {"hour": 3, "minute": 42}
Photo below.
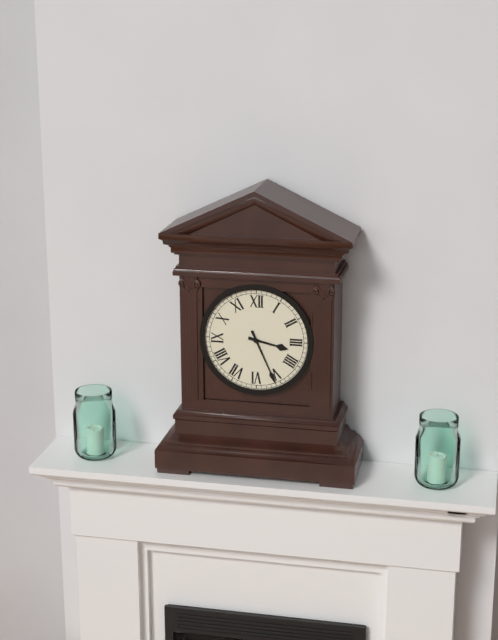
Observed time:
{"hour": 3, "minute": 26}
